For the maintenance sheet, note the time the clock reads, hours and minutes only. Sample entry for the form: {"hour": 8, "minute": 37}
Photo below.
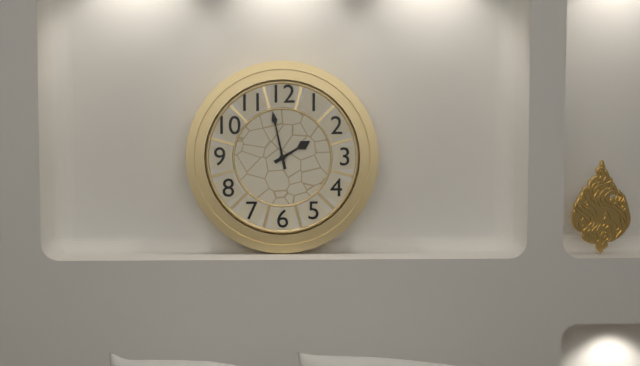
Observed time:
{"hour": 1, "minute": 58}
